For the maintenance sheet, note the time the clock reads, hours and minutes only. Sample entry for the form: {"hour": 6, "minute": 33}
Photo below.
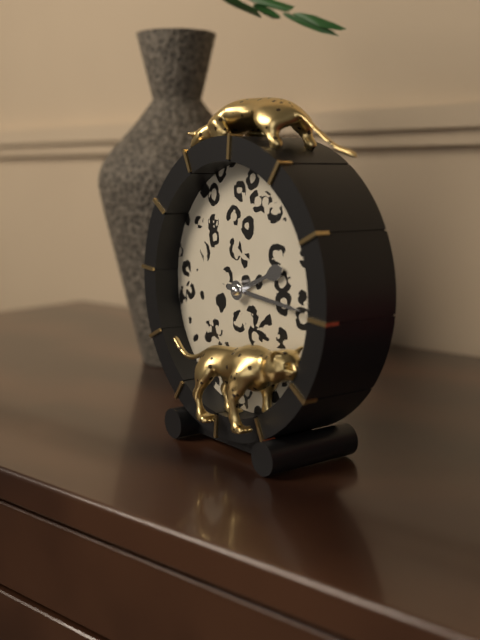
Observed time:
{"hour": 2, "minute": 16}
